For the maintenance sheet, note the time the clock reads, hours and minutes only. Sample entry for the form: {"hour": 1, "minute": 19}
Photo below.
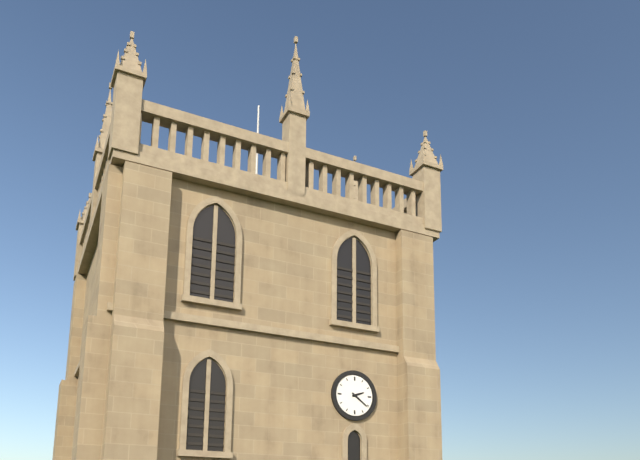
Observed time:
{"hour": 2, "minute": 21}
